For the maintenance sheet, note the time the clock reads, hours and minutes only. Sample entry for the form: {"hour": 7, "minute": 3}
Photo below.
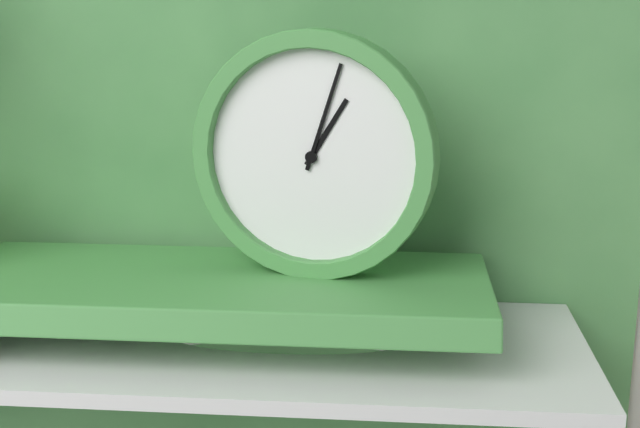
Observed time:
{"hour": 1, "minute": 3}
